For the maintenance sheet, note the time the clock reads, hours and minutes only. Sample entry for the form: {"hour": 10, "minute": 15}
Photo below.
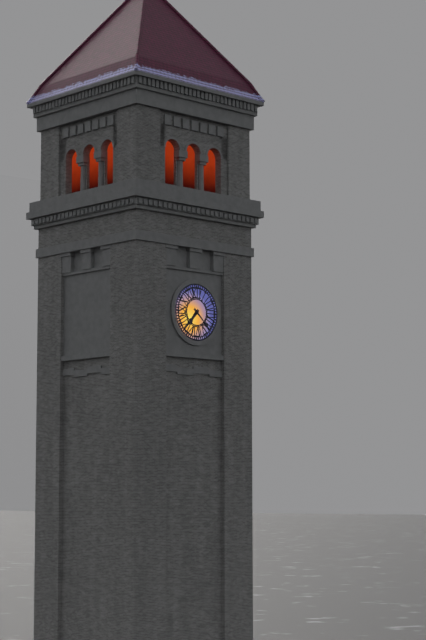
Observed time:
{"hour": 7, "minute": 22}
